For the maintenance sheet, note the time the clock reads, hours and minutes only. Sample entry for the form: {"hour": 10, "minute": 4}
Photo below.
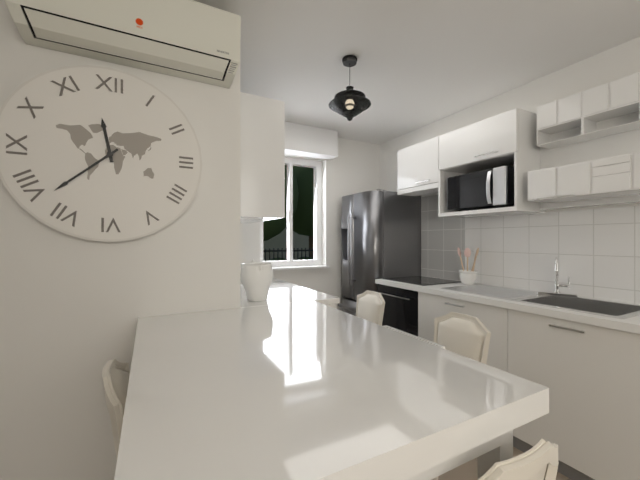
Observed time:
{"hour": 11, "minute": 38}
